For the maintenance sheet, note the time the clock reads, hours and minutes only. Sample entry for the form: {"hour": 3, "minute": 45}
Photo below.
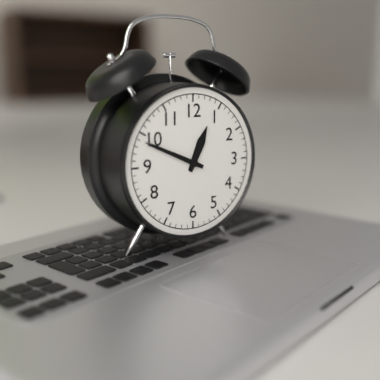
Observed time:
{"hour": 12, "minute": 49}
